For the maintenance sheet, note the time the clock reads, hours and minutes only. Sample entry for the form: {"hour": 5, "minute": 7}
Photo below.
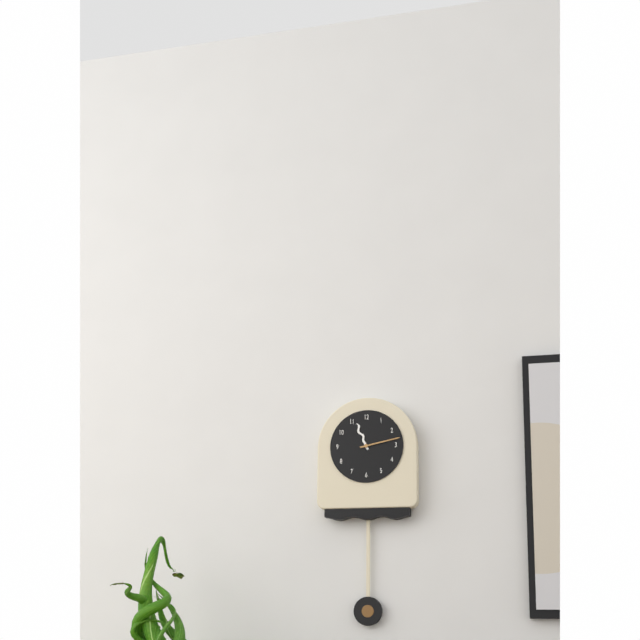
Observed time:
{"hour": 11, "minute": 13}
